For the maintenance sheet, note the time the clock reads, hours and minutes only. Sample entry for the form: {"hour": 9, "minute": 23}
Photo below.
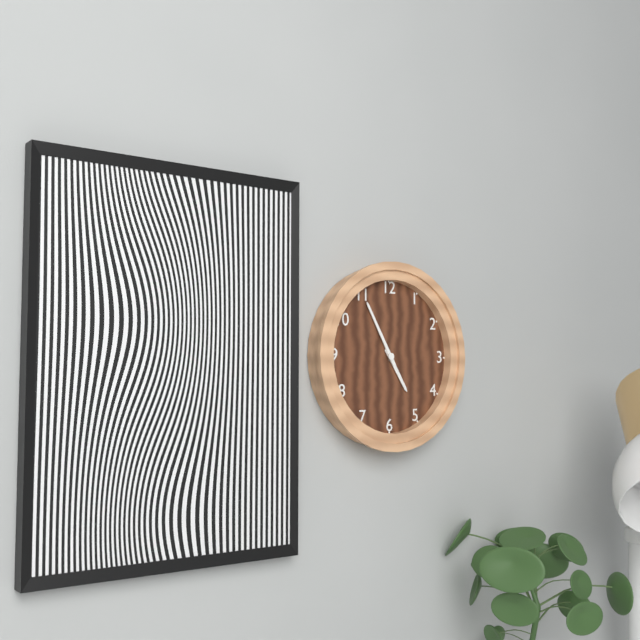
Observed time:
{"hour": 4, "minute": 55}
